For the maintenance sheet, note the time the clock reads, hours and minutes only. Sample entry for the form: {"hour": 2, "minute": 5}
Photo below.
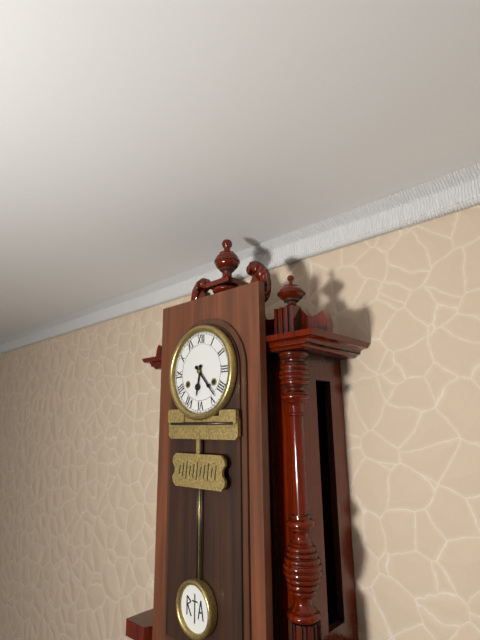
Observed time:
{"hour": 6, "minute": 23}
